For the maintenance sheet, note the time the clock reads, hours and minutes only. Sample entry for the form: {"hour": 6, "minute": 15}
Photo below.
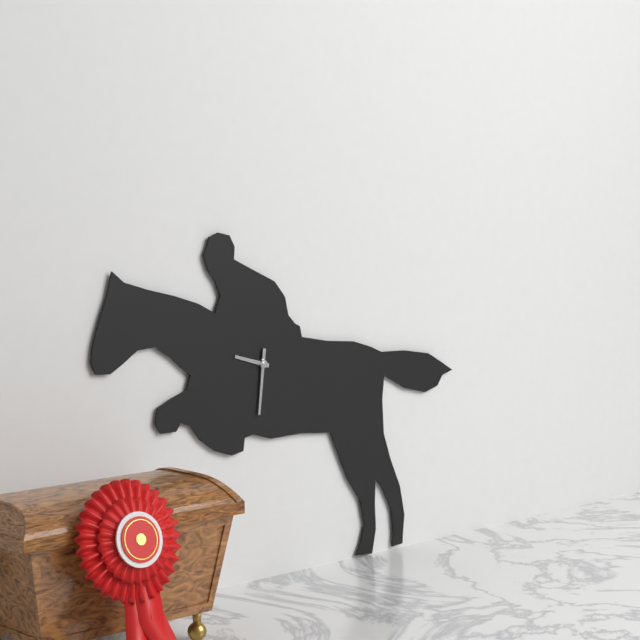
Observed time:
{"hour": 9, "minute": 31}
